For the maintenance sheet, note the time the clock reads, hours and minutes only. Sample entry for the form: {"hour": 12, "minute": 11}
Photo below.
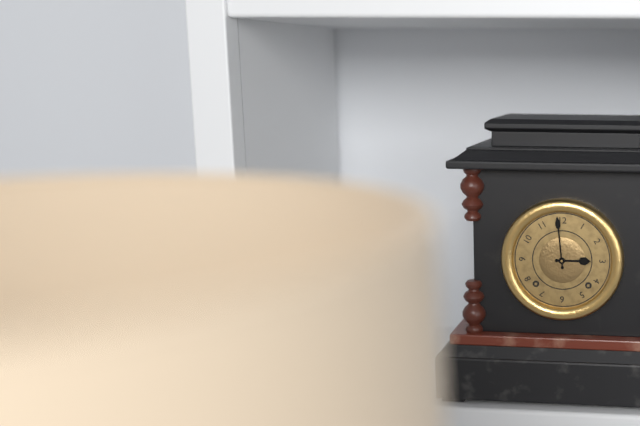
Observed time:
{"hour": 2, "minute": 59}
